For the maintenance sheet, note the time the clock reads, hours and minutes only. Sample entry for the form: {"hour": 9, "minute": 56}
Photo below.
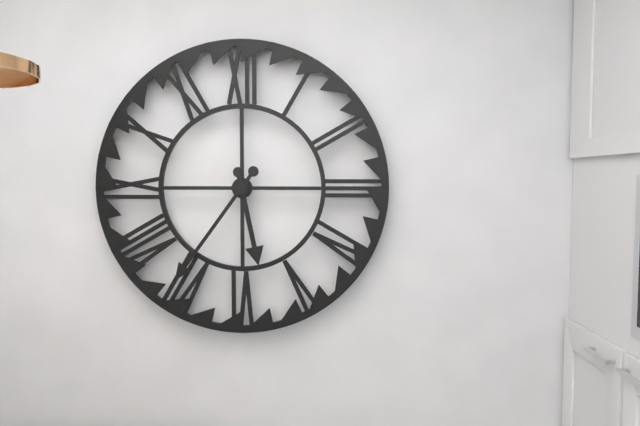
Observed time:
{"hour": 5, "minute": 36}
